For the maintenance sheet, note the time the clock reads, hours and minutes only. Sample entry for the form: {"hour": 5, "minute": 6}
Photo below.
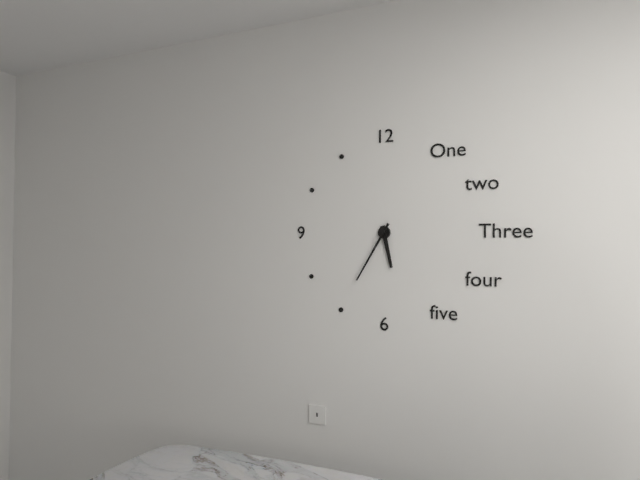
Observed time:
{"hour": 5, "minute": 35}
